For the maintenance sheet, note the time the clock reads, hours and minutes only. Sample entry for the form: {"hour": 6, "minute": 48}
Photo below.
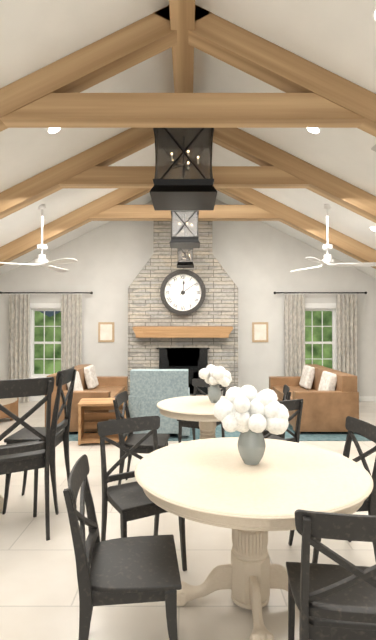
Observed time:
{"hour": 12, "minute": 9}
